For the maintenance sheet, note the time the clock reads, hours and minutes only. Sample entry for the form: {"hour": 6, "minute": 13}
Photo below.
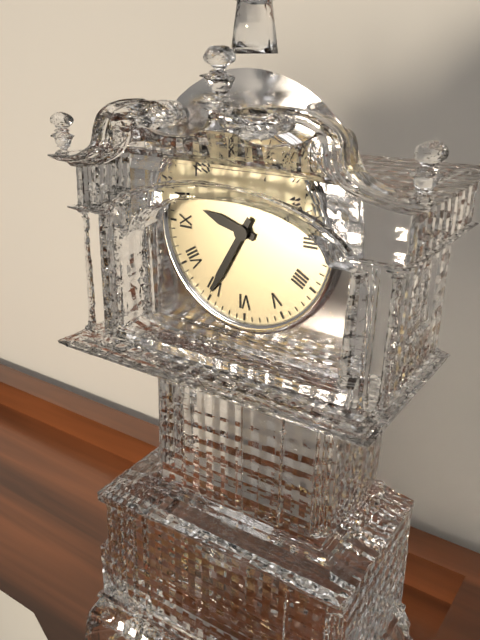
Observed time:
{"hour": 9, "minute": 35}
